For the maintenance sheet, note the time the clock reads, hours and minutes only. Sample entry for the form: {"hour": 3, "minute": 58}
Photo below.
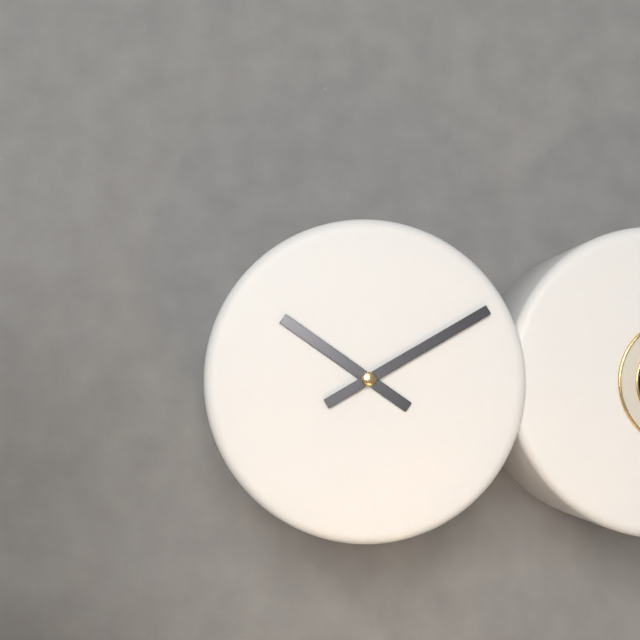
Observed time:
{"hour": 10, "minute": 10}
